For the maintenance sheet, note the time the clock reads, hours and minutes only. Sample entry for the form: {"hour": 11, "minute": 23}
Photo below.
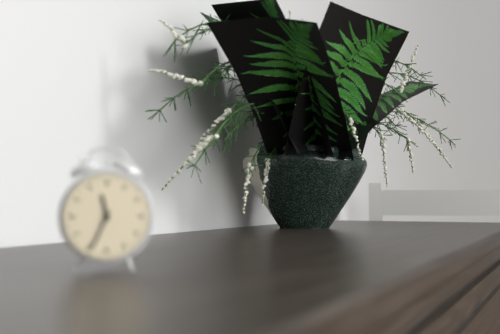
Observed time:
{"hour": 11, "minute": 34}
